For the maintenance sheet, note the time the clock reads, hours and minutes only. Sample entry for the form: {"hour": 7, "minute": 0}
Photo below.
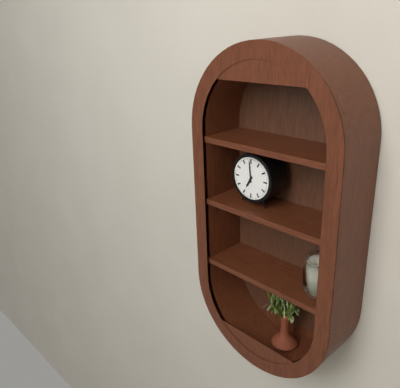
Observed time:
{"hour": 6, "minute": 59}
